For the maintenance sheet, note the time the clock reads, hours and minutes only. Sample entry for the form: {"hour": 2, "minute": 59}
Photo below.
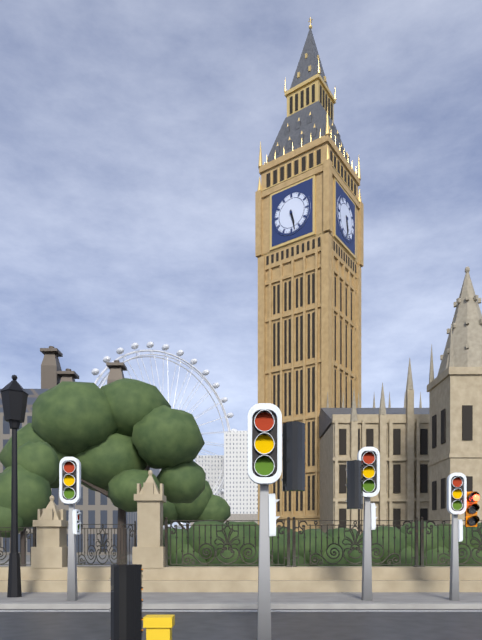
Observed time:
{"hour": 5, "minute": 28}
